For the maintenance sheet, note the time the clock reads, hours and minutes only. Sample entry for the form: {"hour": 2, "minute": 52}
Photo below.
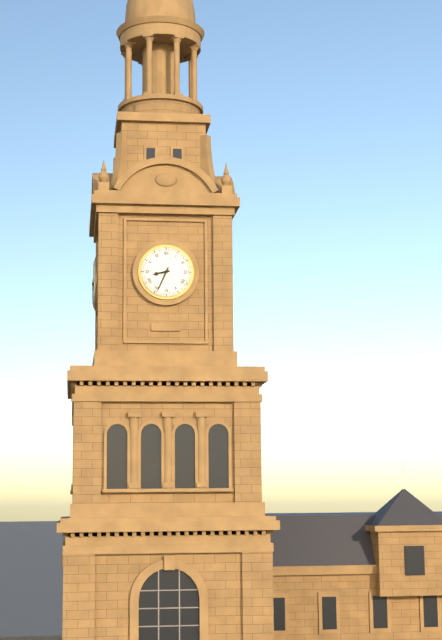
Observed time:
{"hour": 8, "minute": 34}
